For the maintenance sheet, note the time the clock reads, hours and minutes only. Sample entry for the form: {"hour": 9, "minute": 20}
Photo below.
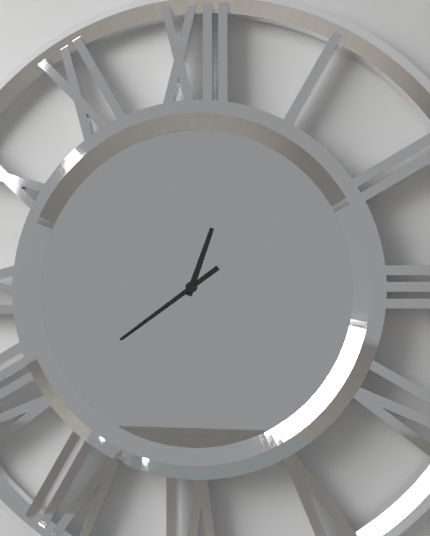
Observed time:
{"hour": 12, "minute": 39}
